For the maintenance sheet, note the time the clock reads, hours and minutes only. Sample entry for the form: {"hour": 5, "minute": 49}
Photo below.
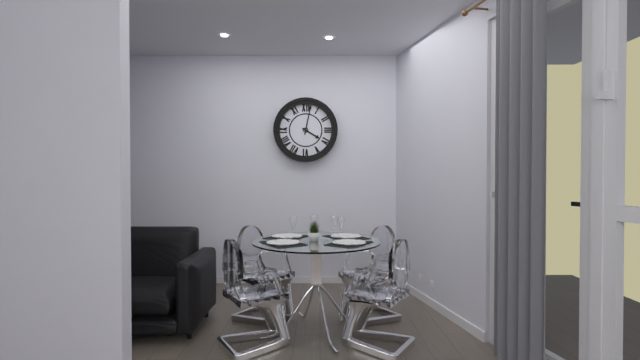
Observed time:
{"hour": 4, "minute": 2}
